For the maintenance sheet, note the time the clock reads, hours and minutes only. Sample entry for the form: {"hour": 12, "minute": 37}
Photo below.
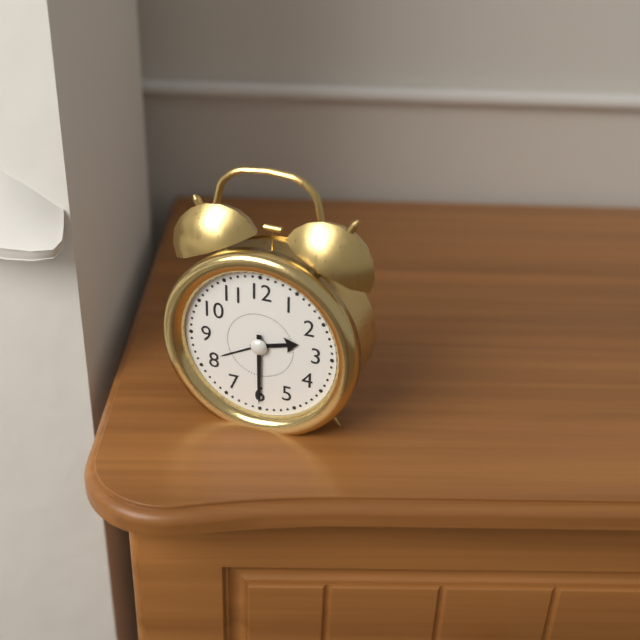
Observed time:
{"hour": 2, "minute": 30}
